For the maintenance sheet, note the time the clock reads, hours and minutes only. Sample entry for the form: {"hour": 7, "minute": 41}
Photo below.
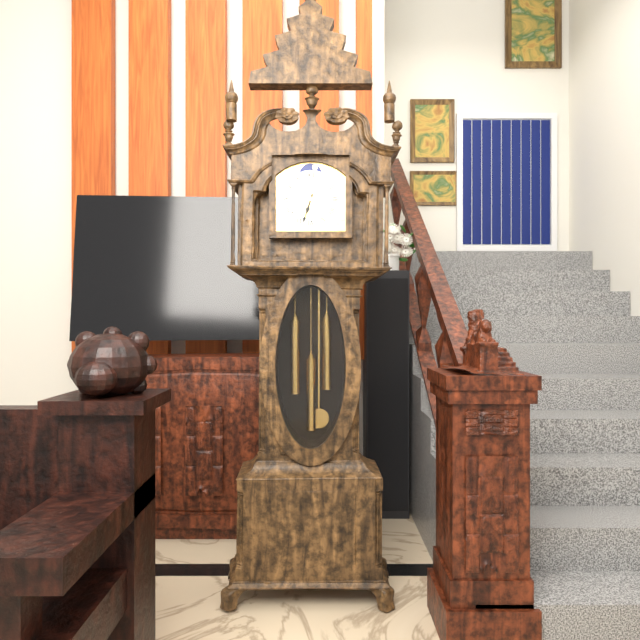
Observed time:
{"hour": 6, "minute": 33}
